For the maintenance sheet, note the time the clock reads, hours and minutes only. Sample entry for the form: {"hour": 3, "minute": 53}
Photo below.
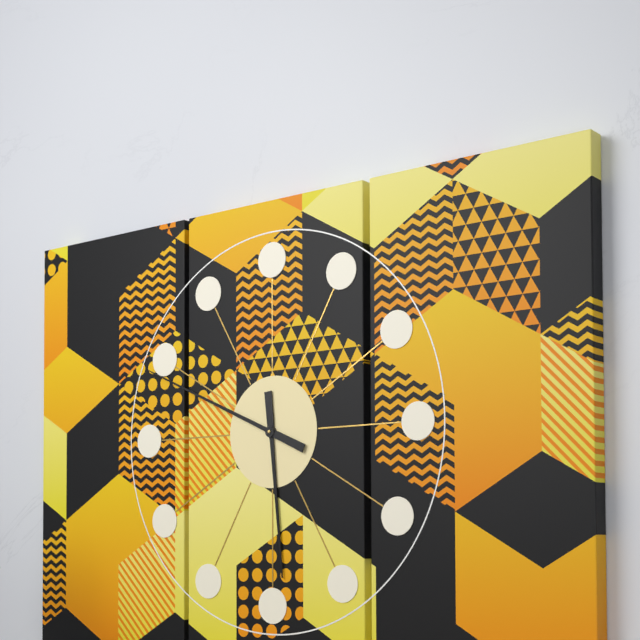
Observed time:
{"hour": 5, "minute": 49}
